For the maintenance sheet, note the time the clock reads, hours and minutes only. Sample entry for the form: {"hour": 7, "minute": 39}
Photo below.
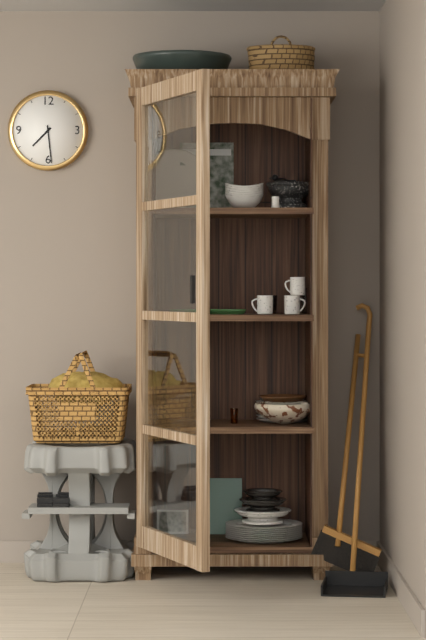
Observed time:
{"hour": 7, "minute": 29}
